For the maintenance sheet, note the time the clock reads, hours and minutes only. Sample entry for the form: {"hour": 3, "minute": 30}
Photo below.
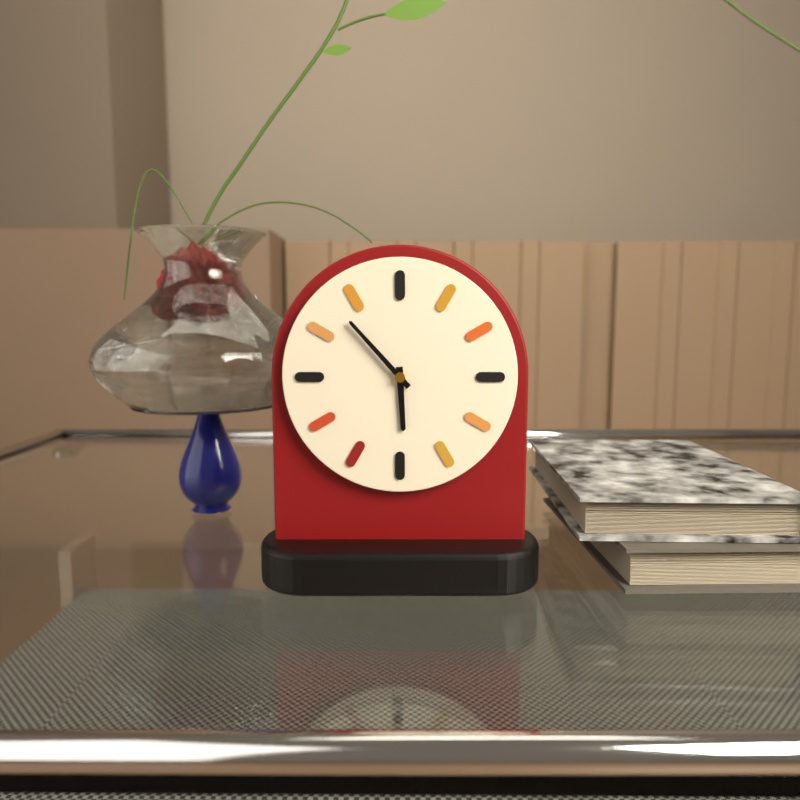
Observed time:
{"hour": 5, "minute": 53}
